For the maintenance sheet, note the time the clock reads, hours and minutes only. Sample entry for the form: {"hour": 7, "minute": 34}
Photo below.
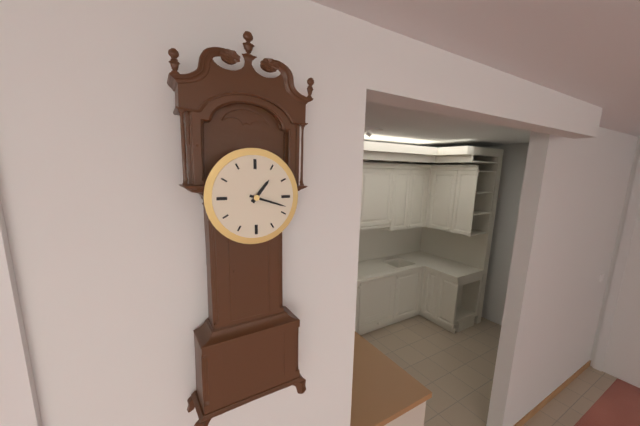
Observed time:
{"hour": 1, "minute": 18}
